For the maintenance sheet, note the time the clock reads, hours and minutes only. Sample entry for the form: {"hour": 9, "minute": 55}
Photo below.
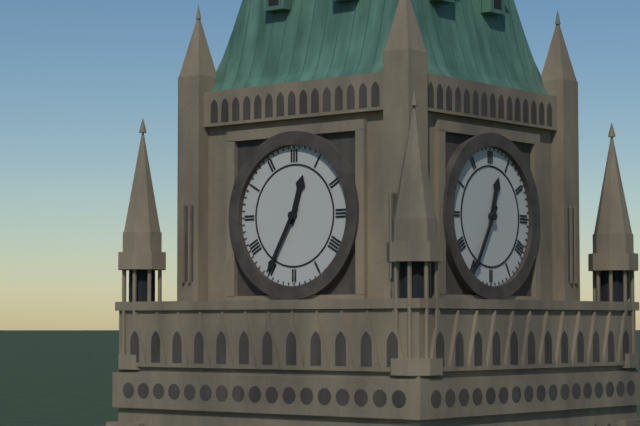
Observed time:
{"hour": 12, "minute": 35}
